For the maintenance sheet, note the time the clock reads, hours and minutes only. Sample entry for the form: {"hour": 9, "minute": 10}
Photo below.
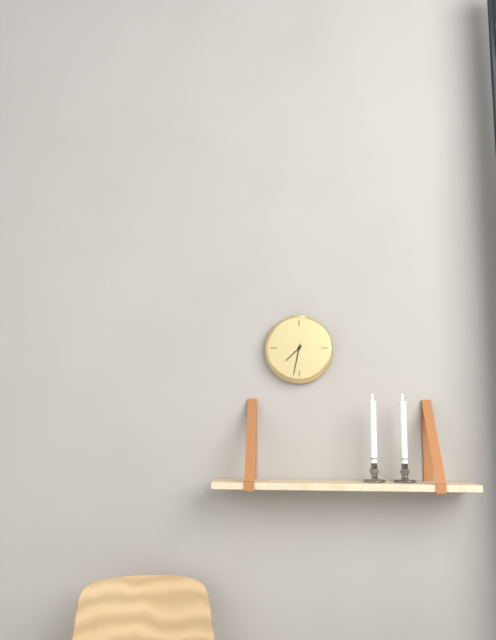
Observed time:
{"hour": 7, "minute": 32}
